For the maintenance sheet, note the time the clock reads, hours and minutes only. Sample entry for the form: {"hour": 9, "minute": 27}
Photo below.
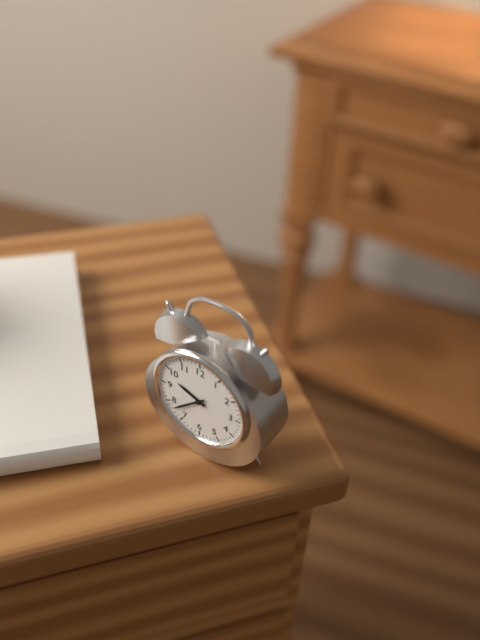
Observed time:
{"hour": 9, "minute": 38}
